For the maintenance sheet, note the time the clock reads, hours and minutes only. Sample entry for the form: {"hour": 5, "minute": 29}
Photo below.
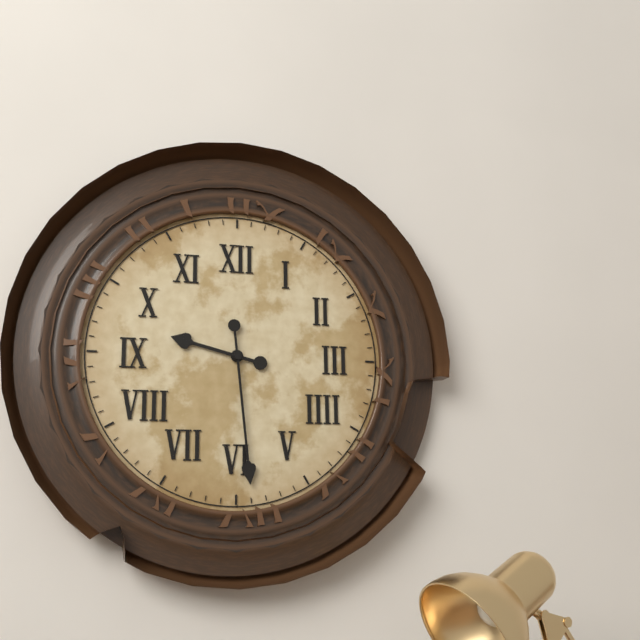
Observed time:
{"hour": 9, "minute": 29}
